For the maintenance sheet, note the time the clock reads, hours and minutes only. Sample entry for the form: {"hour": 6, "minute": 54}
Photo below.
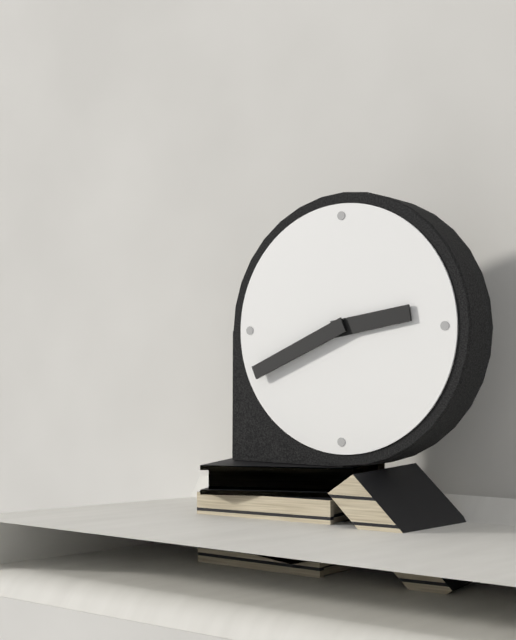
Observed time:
{"hour": 2, "minute": 41}
